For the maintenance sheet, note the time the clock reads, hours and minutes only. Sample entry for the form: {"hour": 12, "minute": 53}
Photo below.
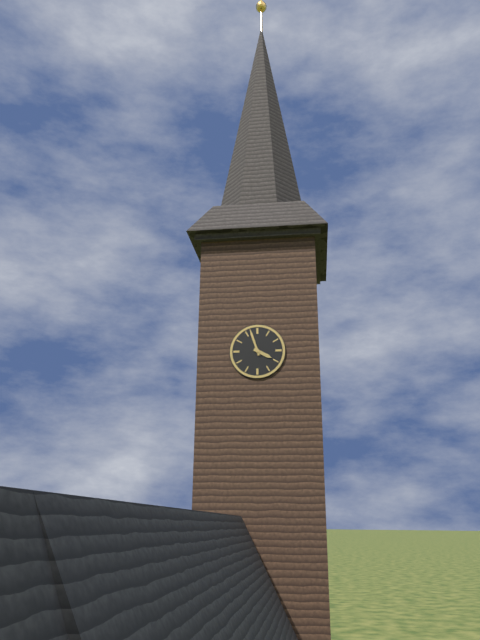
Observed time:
{"hour": 3, "minute": 57}
